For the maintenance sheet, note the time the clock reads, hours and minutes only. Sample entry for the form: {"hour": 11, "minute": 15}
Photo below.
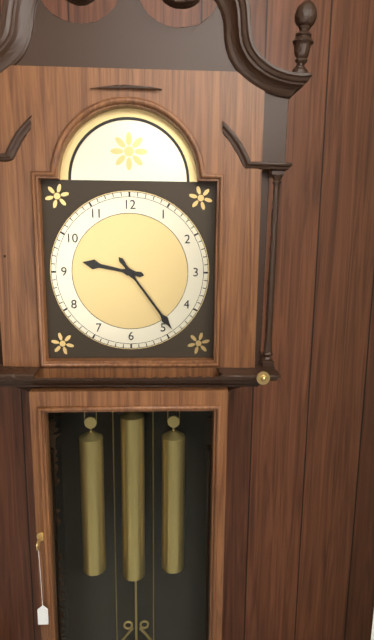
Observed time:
{"hour": 9, "minute": 24}
